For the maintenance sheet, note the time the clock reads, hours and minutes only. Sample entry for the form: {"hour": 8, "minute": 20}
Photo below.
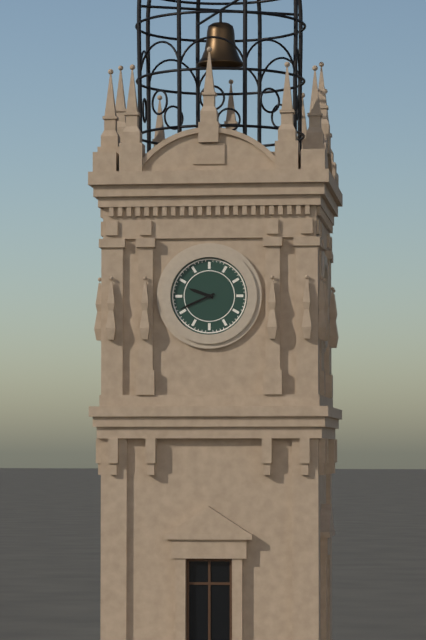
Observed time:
{"hour": 9, "minute": 41}
